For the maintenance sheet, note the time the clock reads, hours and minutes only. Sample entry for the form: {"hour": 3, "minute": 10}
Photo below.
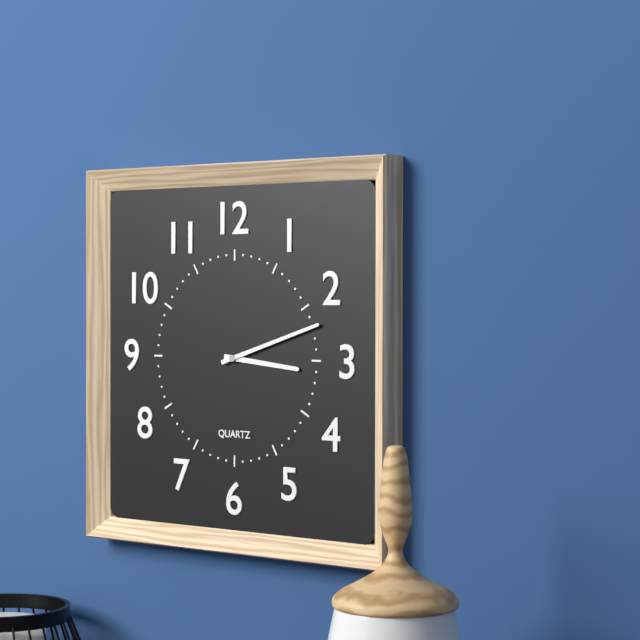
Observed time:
{"hour": 3, "minute": 12}
